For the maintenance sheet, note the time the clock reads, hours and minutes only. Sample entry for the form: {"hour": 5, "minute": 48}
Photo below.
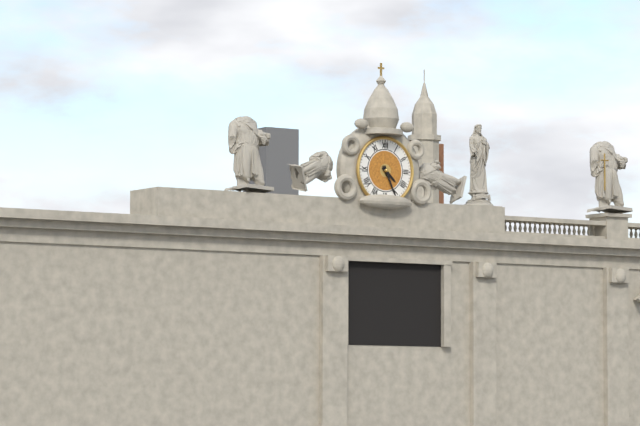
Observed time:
{"hour": 4, "minute": 26}
